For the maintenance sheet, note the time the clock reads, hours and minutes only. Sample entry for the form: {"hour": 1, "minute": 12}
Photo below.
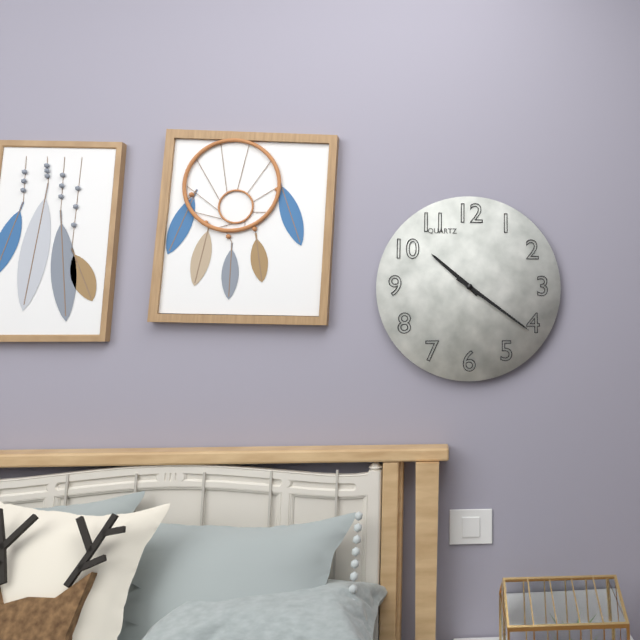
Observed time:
{"hour": 10, "minute": 21}
